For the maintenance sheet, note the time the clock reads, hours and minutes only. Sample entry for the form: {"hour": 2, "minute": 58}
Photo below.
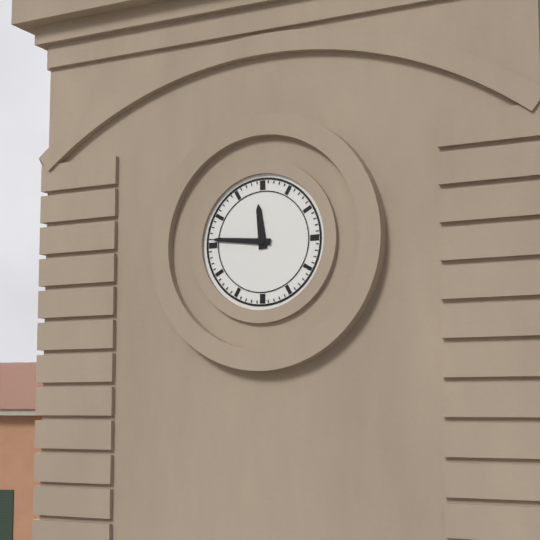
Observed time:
{"hour": 11, "minute": 46}
